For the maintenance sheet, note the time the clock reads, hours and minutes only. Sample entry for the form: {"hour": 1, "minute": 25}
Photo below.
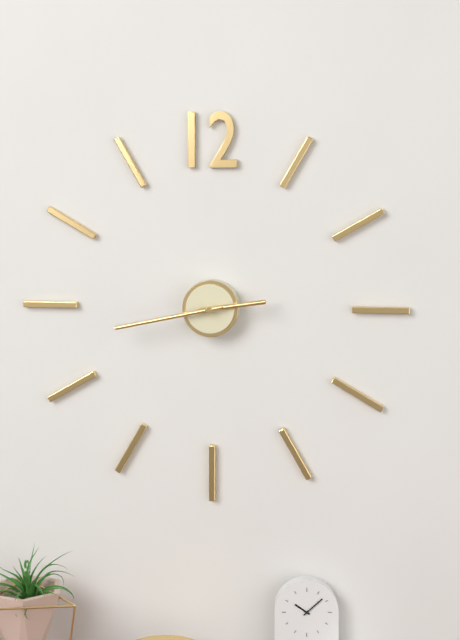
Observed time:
{"hour": 2, "minute": 43}
